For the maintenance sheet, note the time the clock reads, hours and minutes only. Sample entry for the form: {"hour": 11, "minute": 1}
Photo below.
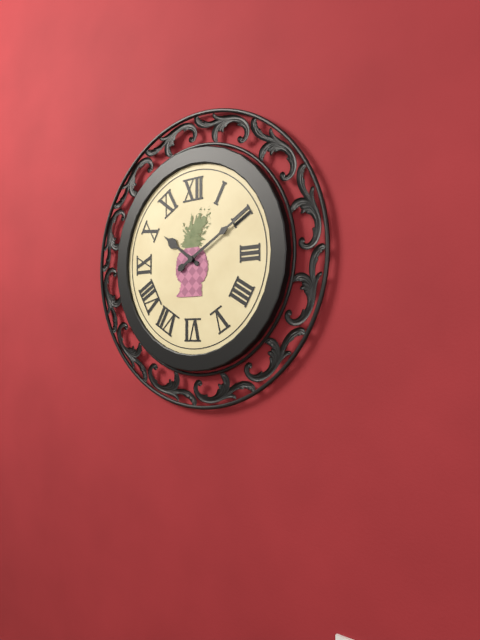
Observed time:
{"hour": 10, "minute": 10}
